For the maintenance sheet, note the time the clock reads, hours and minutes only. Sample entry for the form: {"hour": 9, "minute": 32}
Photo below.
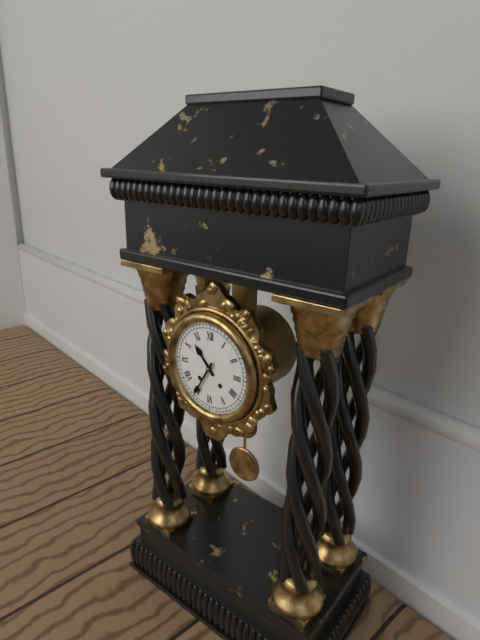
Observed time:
{"hour": 10, "minute": 35}
